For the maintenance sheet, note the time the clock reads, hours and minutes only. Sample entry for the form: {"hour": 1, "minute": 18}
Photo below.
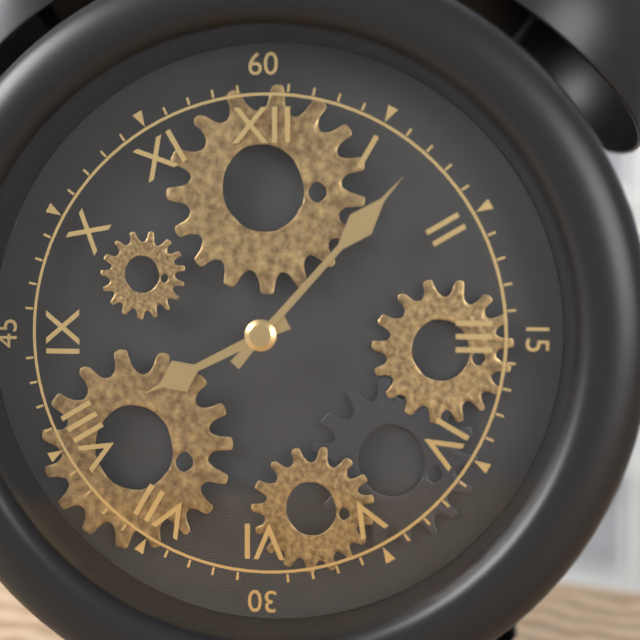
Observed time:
{"hour": 8, "minute": 7}
